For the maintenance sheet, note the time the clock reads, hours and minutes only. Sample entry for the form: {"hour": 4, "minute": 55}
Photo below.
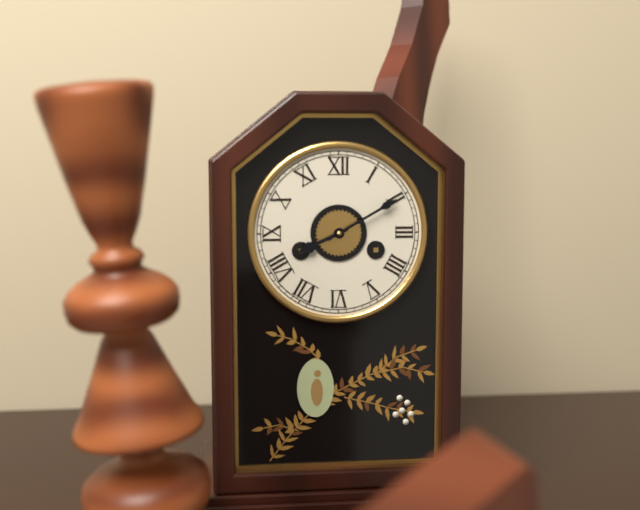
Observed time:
{"hour": 8, "minute": 10}
